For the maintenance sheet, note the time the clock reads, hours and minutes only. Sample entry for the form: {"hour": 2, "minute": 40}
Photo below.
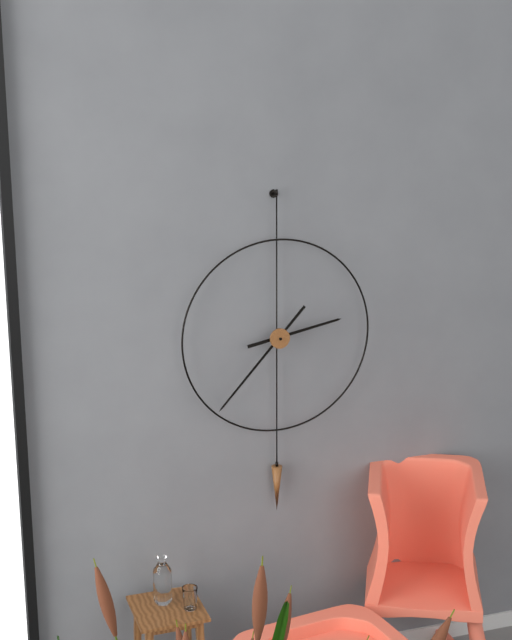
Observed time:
{"hour": 2, "minute": 37}
